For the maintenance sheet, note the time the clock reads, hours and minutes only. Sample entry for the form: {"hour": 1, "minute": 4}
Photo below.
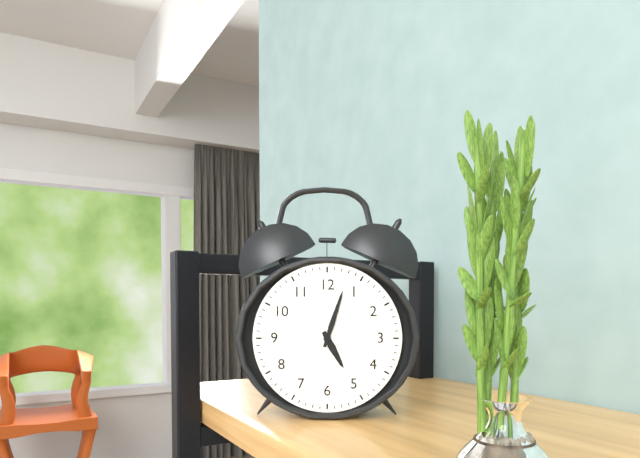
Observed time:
{"hour": 5, "minute": 3}
